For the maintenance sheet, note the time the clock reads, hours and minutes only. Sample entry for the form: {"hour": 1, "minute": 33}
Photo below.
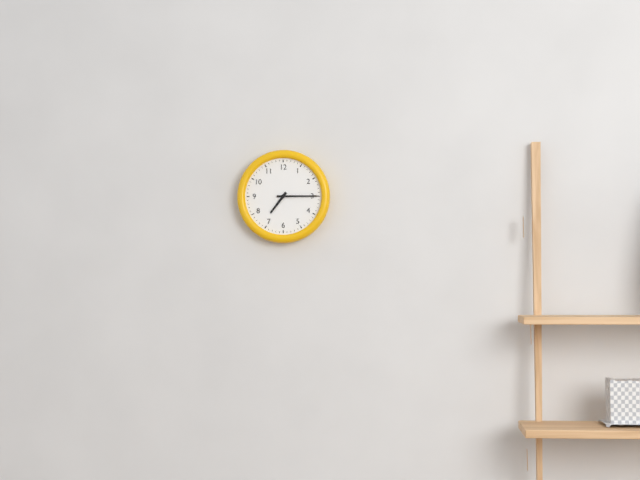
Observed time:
{"hour": 7, "minute": 15}
